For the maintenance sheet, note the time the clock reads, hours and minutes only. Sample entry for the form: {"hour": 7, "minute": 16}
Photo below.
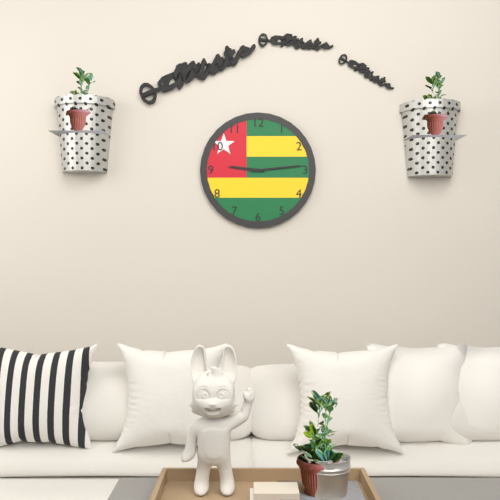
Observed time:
{"hour": 9, "minute": 14}
